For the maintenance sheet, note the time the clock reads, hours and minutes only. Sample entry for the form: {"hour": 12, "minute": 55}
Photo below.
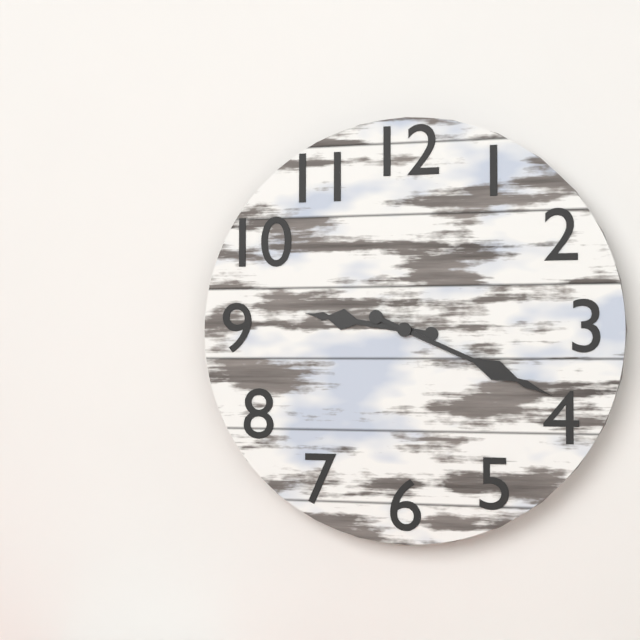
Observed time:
{"hour": 9, "minute": 19}
